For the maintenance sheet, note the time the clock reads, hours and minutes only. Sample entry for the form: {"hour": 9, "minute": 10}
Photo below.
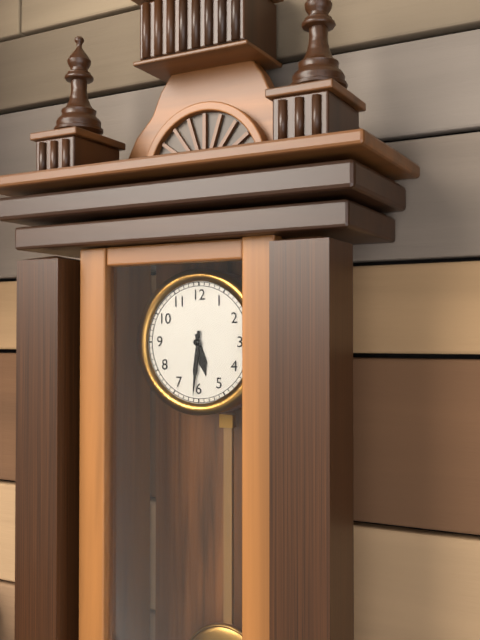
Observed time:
{"hour": 5, "minute": 31}
